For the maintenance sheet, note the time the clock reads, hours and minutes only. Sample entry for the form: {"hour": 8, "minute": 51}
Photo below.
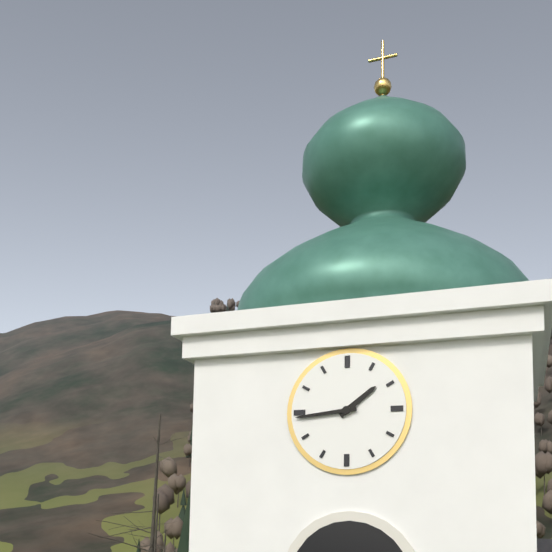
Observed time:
{"hour": 1, "minute": 44}
